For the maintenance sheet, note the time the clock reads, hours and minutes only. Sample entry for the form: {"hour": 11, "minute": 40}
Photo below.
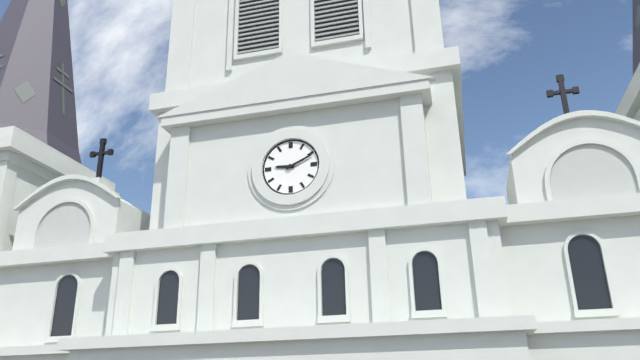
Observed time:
{"hour": 9, "minute": 11}
